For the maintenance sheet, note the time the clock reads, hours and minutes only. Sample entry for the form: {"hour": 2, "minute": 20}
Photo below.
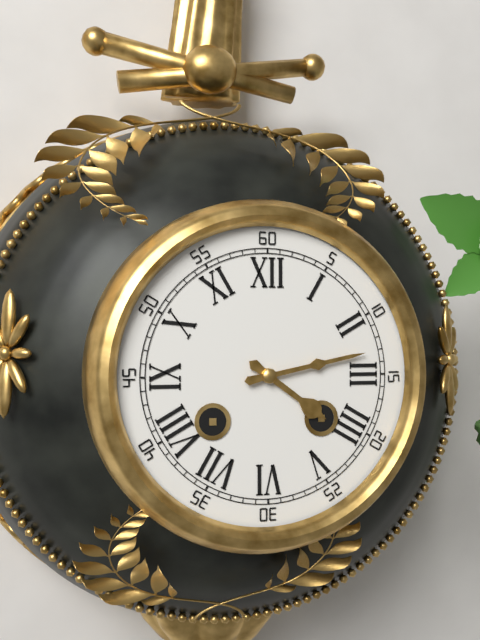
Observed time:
{"hour": 4, "minute": 13}
